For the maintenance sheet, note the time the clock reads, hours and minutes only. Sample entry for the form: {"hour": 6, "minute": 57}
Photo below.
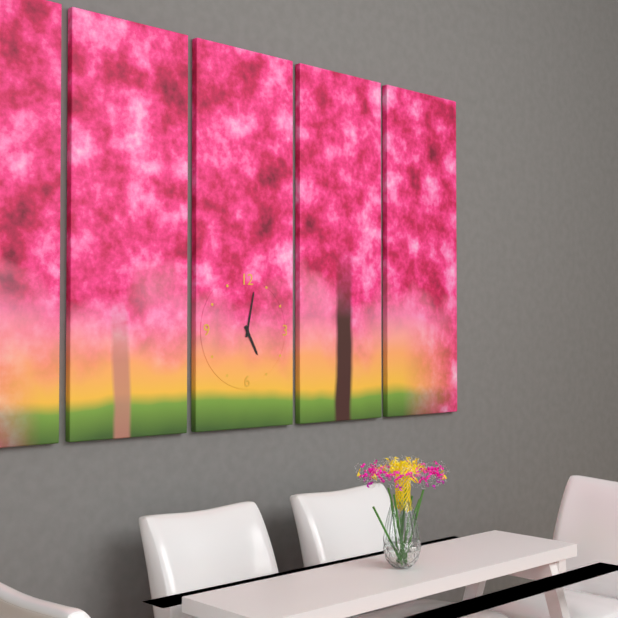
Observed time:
{"hour": 5, "minute": 2}
